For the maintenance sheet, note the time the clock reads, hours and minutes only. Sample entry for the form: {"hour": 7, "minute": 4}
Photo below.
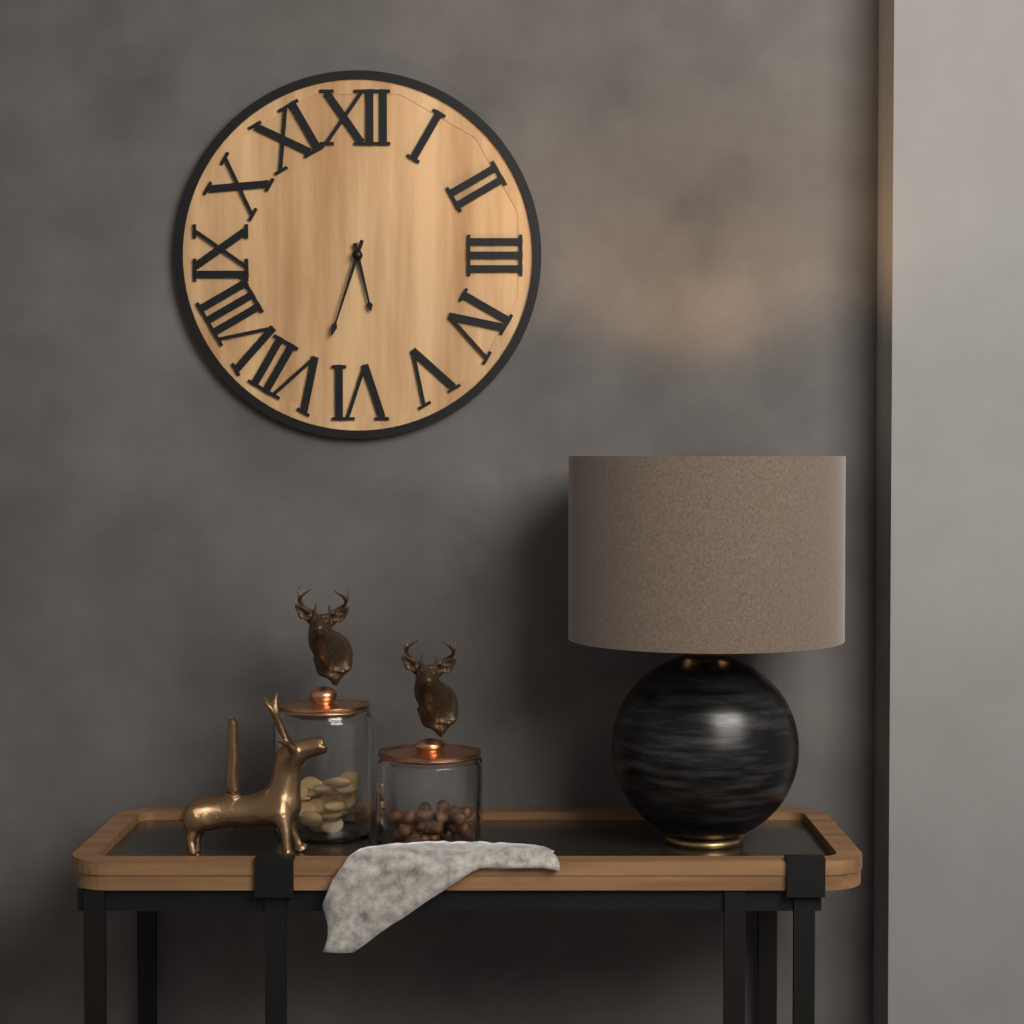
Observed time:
{"hour": 5, "minute": 33}
